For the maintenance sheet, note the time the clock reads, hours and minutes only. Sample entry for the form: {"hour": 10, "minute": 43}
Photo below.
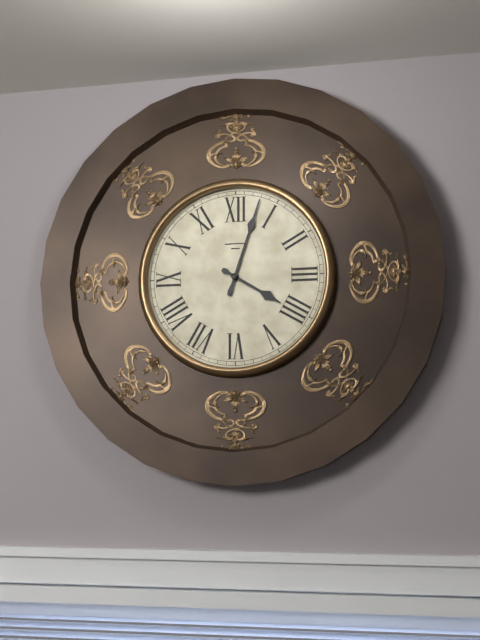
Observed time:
{"hour": 4, "minute": 3}
